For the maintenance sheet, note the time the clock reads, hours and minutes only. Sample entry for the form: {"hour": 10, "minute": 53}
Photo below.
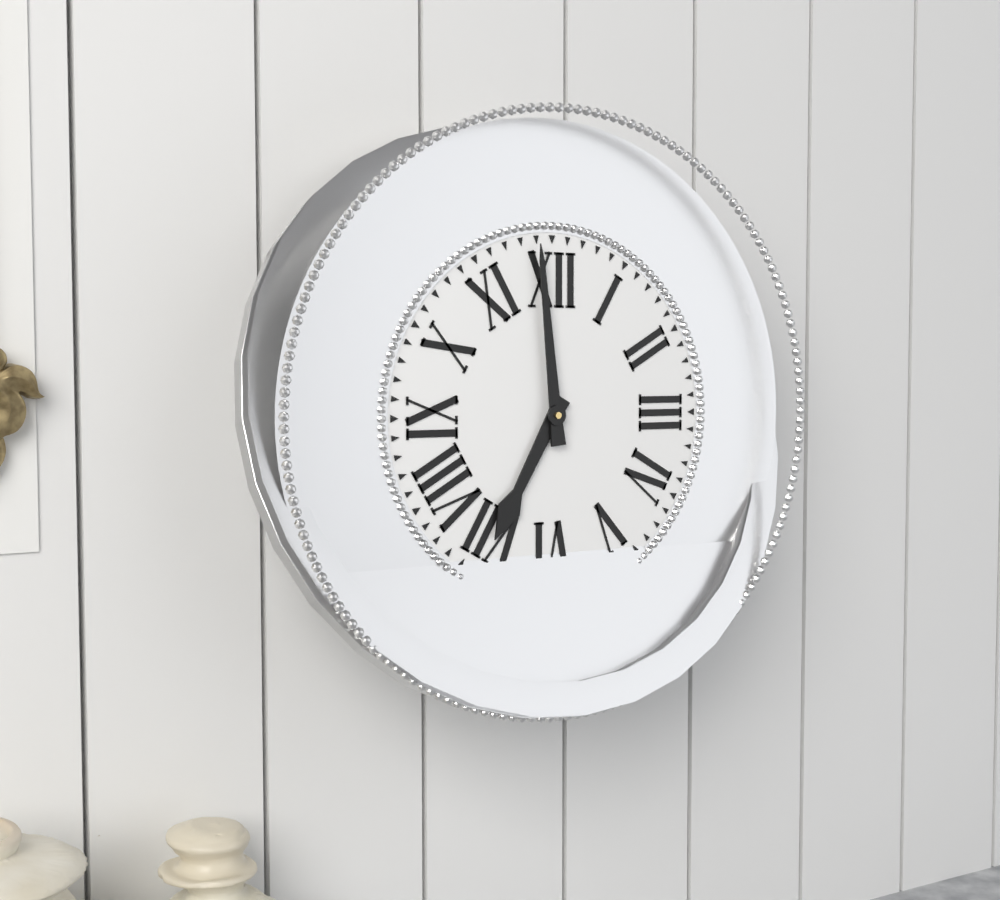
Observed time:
{"hour": 6, "minute": 59}
